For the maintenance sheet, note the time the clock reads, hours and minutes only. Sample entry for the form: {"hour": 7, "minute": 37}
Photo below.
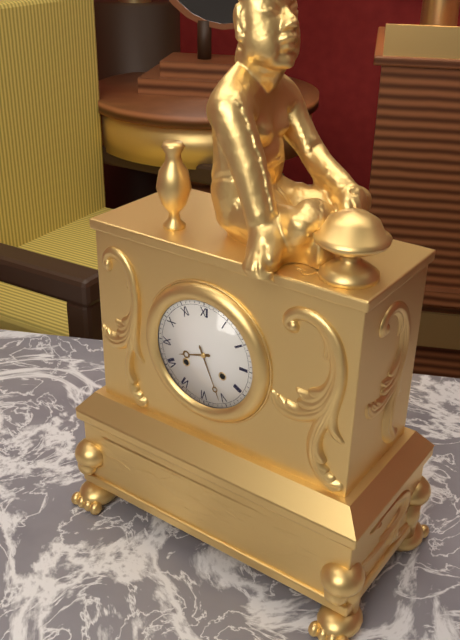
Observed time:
{"hour": 8, "minute": 26}
